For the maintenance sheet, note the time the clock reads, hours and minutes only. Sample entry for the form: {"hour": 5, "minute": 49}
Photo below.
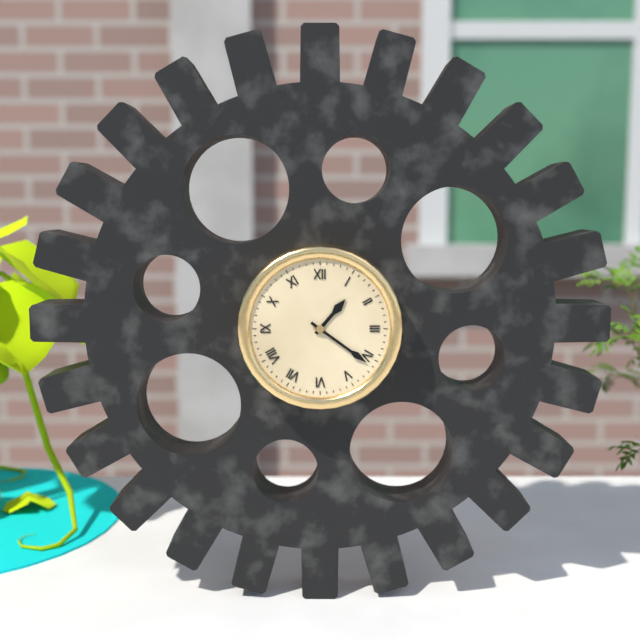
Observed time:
{"hour": 1, "minute": 21}
